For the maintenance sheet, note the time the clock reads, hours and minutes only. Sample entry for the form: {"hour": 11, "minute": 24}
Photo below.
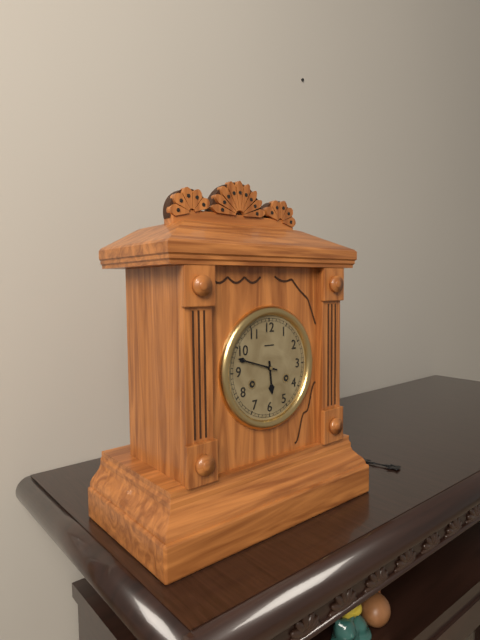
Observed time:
{"hour": 5, "minute": 48}
